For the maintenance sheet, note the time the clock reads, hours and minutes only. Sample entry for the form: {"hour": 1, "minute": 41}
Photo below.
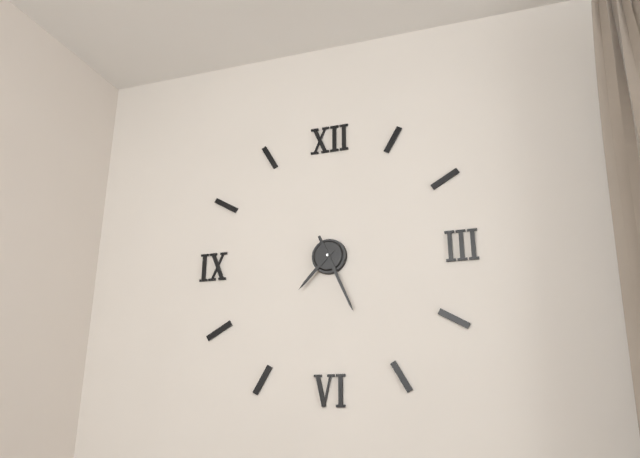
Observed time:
{"hour": 7, "minute": 26}
